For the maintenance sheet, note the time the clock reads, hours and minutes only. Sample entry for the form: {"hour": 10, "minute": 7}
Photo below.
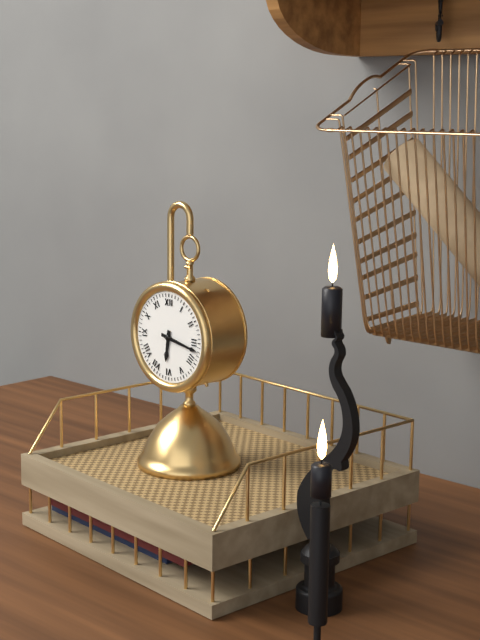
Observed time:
{"hour": 6, "minute": 17}
